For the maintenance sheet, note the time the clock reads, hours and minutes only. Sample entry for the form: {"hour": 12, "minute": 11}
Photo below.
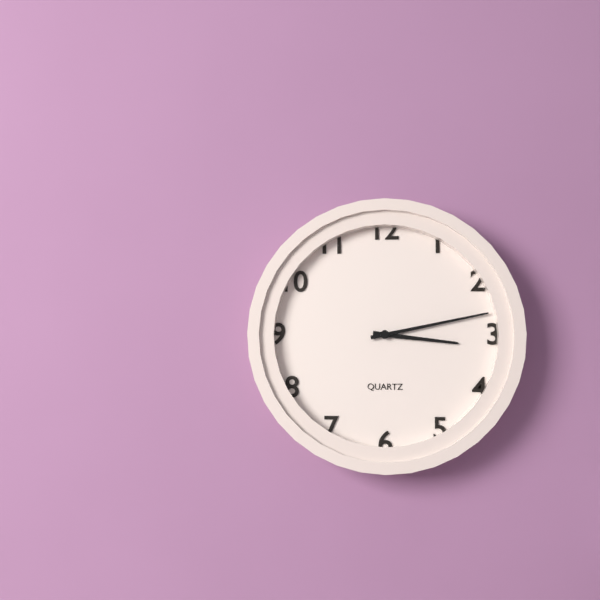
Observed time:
{"hour": 3, "minute": 13}
